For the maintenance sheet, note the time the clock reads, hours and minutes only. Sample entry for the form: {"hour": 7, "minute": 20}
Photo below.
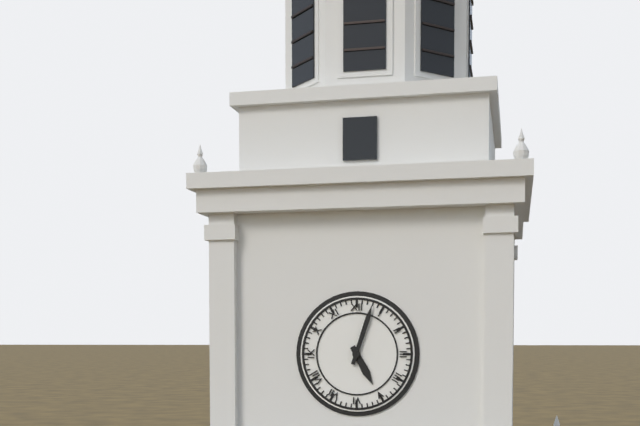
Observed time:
{"hour": 5, "minute": 3}
